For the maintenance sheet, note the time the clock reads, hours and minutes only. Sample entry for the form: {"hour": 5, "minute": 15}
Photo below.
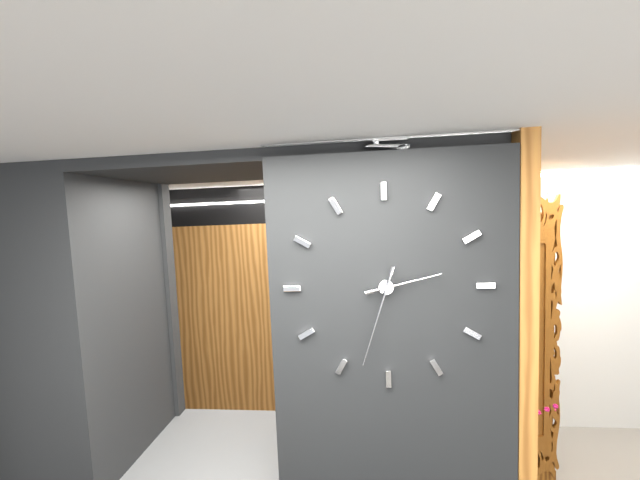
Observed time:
{"hour": 2, "minute": 33}
